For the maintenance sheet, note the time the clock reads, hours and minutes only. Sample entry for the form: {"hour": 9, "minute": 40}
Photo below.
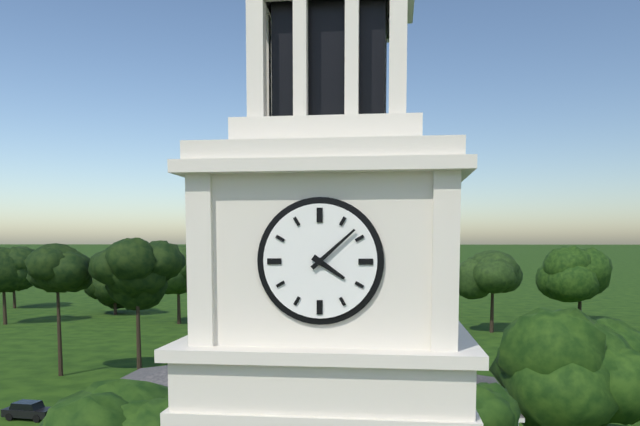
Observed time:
{"hour": 4, "minute": 8}
